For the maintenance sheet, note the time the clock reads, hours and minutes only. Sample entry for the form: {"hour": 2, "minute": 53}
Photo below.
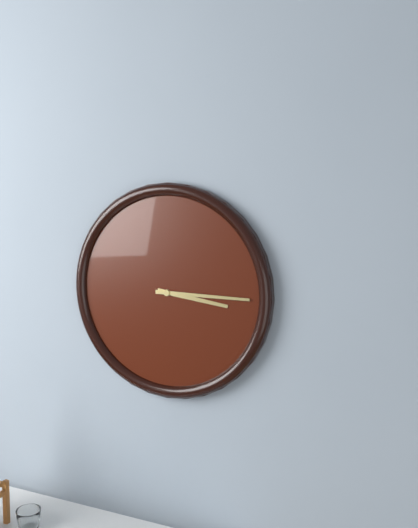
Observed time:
{"hour": 3, "minute": 15}
